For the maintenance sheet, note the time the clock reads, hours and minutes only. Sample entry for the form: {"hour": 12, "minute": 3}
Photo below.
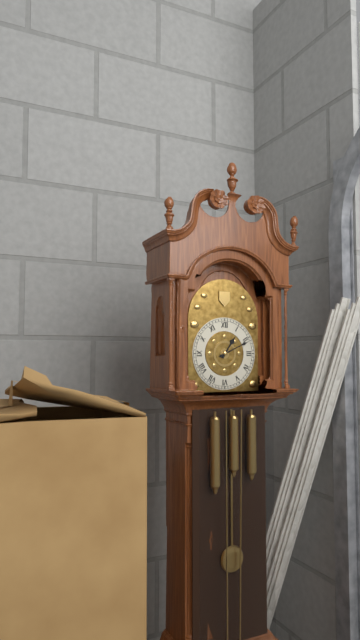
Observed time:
{"hour": 1, "minute": 11}
